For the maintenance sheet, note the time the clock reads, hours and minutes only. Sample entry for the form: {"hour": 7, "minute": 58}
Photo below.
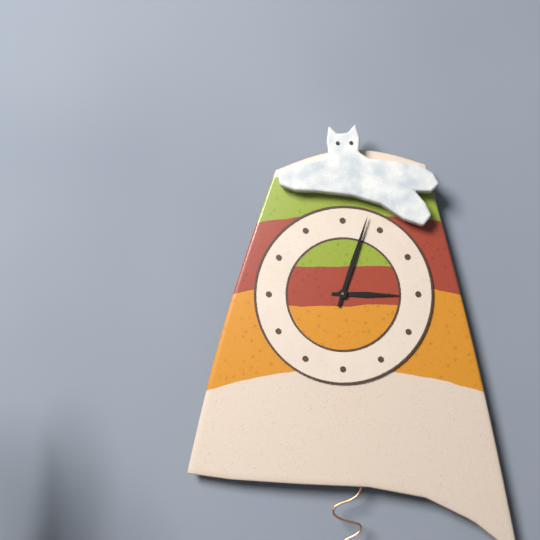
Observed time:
{"hour": 3, "minute": 3}
